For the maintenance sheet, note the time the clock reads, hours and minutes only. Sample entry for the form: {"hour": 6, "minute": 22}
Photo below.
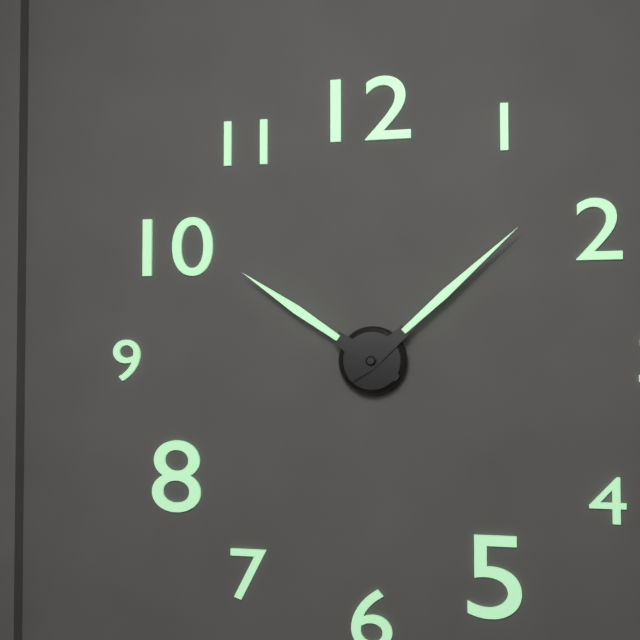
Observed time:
{"hour": 10, "minute": 8}
